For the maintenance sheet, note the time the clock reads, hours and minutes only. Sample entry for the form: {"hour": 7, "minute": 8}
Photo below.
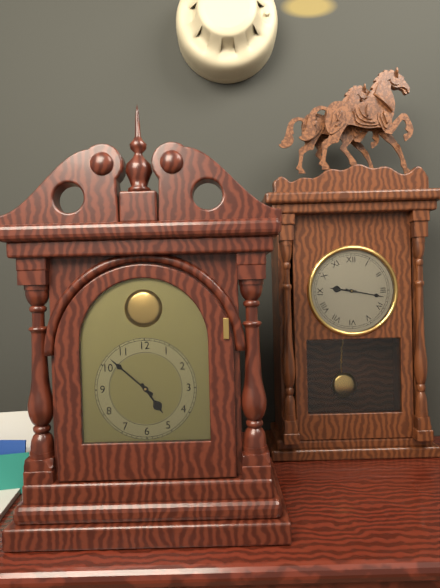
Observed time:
{"hour": 4, "minute": 52}
